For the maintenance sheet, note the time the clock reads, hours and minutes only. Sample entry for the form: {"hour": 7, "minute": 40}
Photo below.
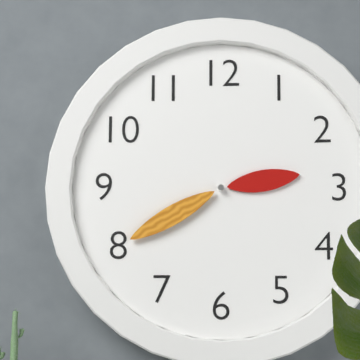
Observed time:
{"hour": 2, "minute": 40}
